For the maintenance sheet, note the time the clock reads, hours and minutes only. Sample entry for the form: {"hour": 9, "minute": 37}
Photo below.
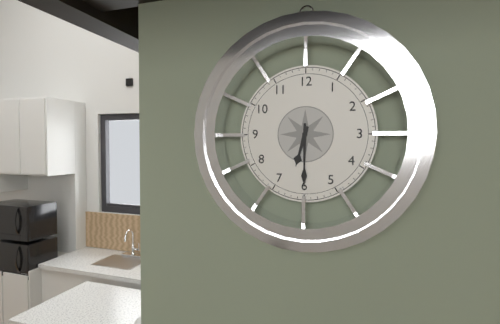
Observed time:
{"hour": 6, "minute": 30}
